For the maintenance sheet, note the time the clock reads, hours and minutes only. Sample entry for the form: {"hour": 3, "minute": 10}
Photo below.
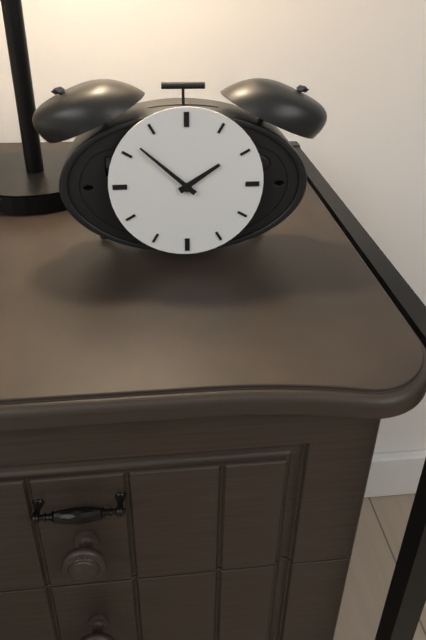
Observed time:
{"hour": 1, "minute": 52}
